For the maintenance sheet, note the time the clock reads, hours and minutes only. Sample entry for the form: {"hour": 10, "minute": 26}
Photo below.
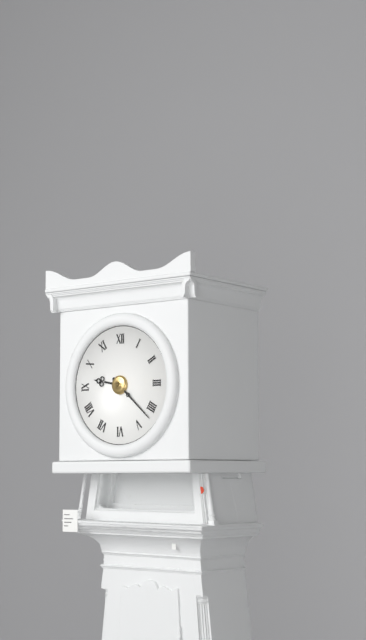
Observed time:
{"hour": 9, "minute": 22}
